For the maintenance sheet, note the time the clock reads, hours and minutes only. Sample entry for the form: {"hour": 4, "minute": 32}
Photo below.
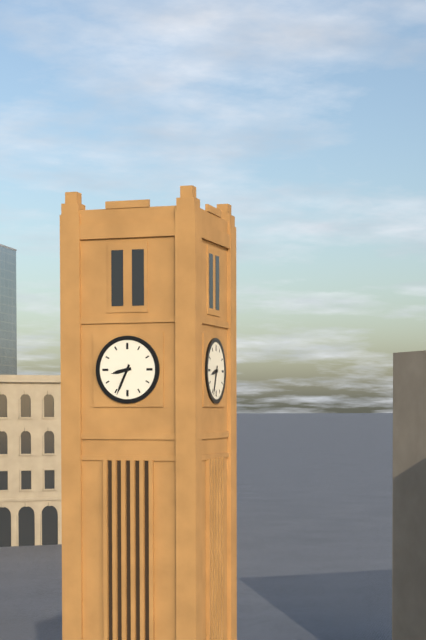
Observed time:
{"hour": 8, "minute": 34}
